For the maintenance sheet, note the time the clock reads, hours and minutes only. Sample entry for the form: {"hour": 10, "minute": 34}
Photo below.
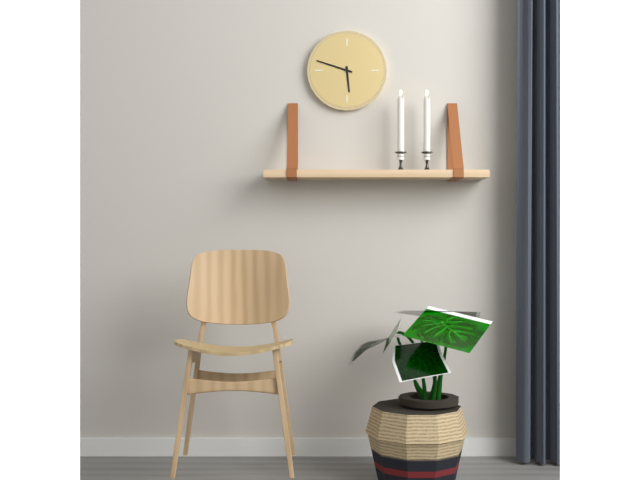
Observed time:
{"hour": 5, "minute": 48}
